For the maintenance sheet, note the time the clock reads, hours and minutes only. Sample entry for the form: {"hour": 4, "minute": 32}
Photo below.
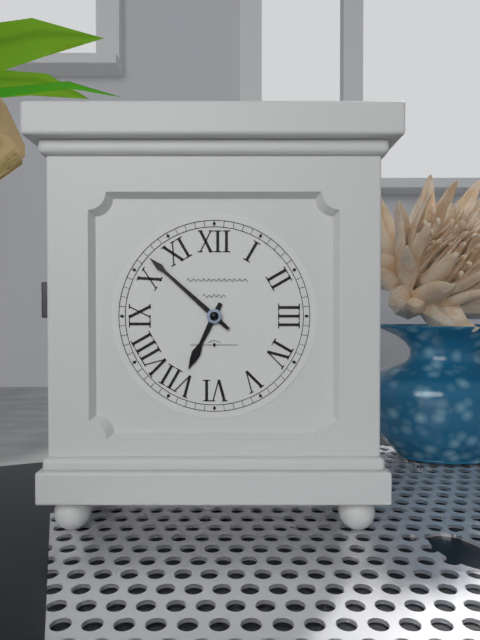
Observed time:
{"hour": 6, "minute": 52}
